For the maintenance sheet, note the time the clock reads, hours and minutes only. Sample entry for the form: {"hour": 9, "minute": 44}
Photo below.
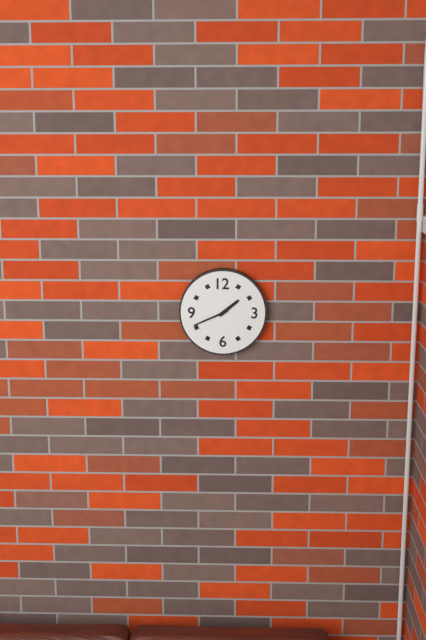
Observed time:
{"hour": 1, "minute": 41}
